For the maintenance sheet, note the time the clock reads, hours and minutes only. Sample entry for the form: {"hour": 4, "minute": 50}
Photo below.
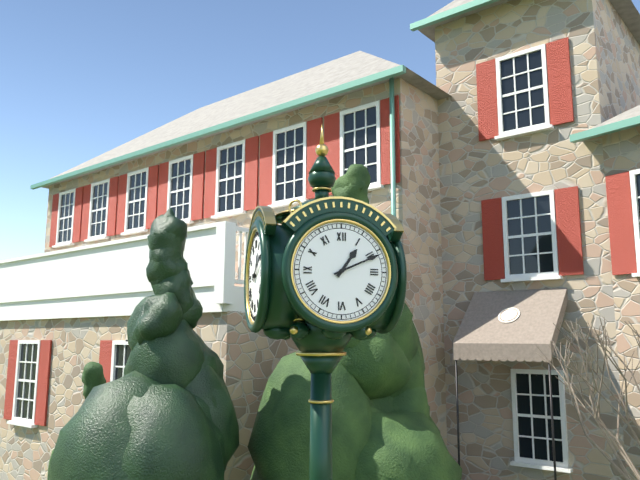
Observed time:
{"hour": 1, "minute": 11}
